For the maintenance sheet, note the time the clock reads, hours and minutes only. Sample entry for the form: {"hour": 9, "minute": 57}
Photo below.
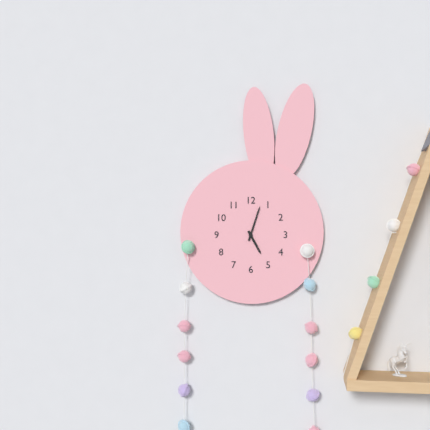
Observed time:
{"hour": 5, "minute": 3}
